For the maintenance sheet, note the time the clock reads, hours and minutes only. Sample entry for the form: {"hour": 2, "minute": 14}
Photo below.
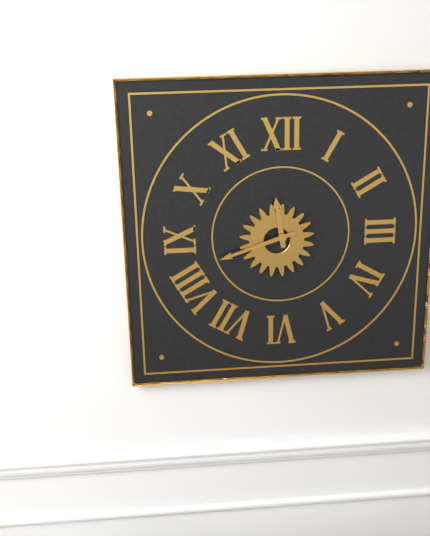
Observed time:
{"hour": 11, "minute": 42}
